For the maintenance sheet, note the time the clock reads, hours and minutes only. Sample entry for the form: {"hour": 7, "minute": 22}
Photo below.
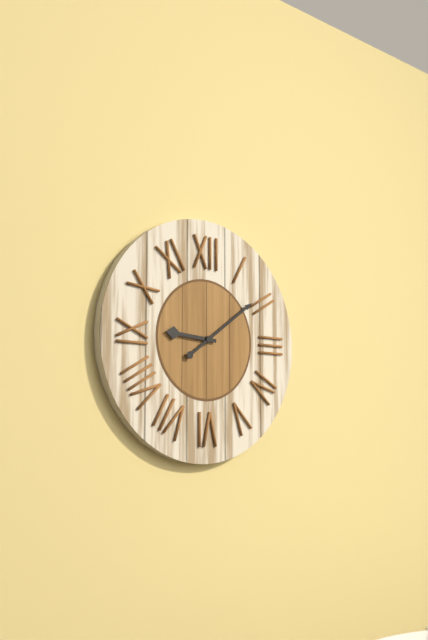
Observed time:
{"hour": 9, "minute": 9}
